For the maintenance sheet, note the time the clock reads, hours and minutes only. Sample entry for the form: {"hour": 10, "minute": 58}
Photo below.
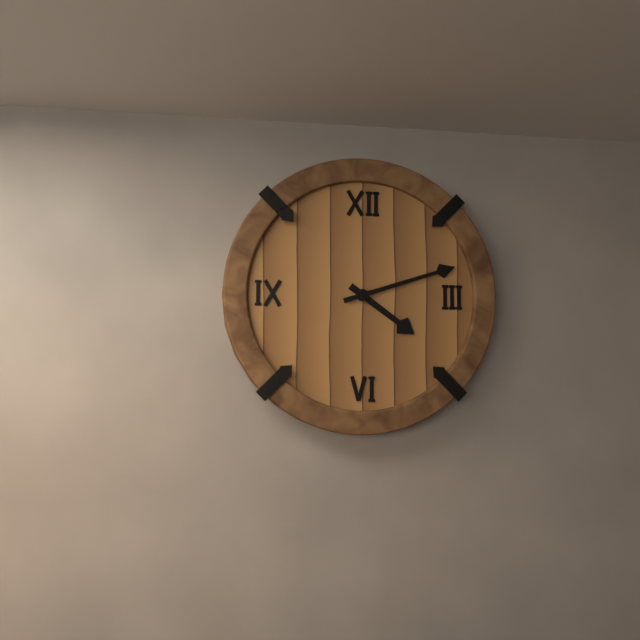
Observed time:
{"hour": 4, "minute": 12}
